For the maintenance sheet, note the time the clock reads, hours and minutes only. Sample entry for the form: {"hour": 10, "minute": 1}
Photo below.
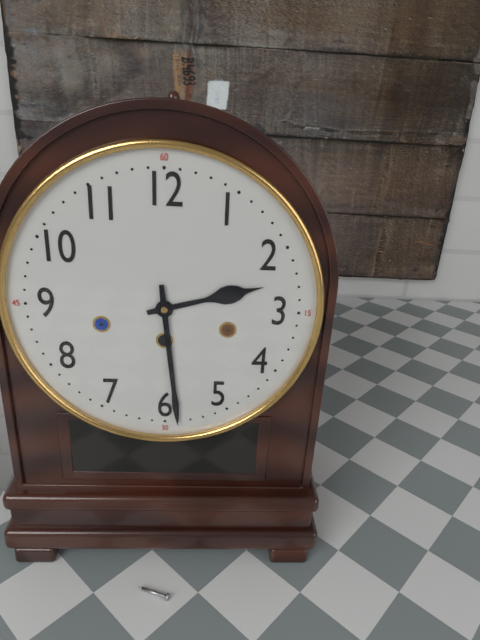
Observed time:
{"hour": 2, "minute": 29}
